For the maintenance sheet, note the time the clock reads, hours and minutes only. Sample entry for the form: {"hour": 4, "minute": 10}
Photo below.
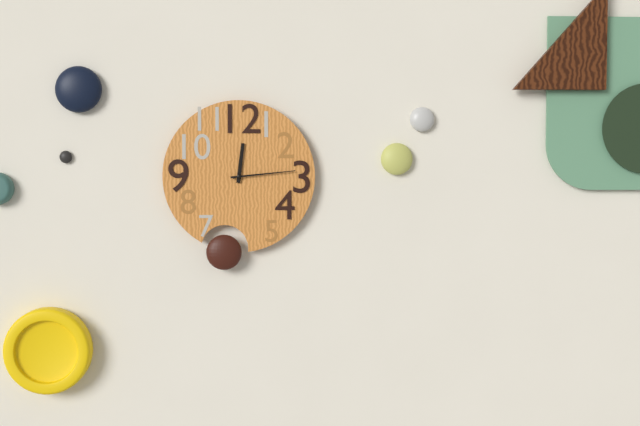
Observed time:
{"hour": 12, "minute": 14}
